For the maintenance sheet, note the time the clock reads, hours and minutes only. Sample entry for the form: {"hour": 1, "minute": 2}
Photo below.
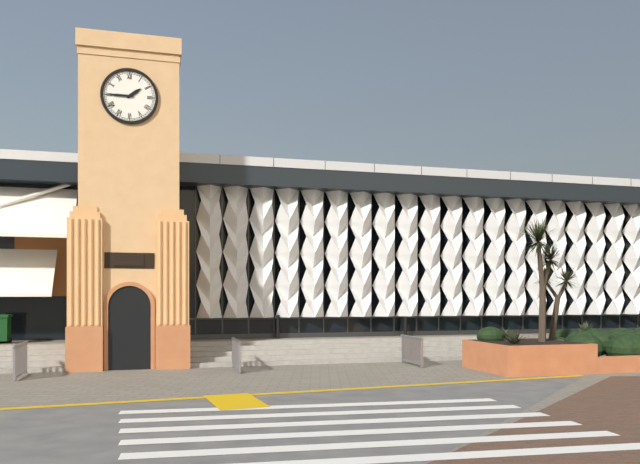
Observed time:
{"hour": 1, "minute": 45}
